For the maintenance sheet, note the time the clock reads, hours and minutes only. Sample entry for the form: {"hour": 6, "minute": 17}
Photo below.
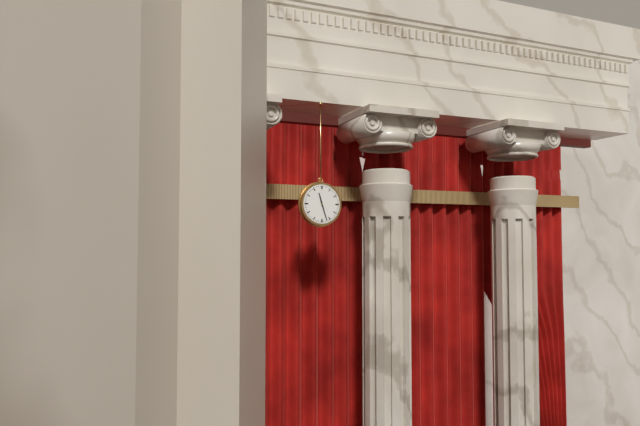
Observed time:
{"hour": 11, "minute": 27}
